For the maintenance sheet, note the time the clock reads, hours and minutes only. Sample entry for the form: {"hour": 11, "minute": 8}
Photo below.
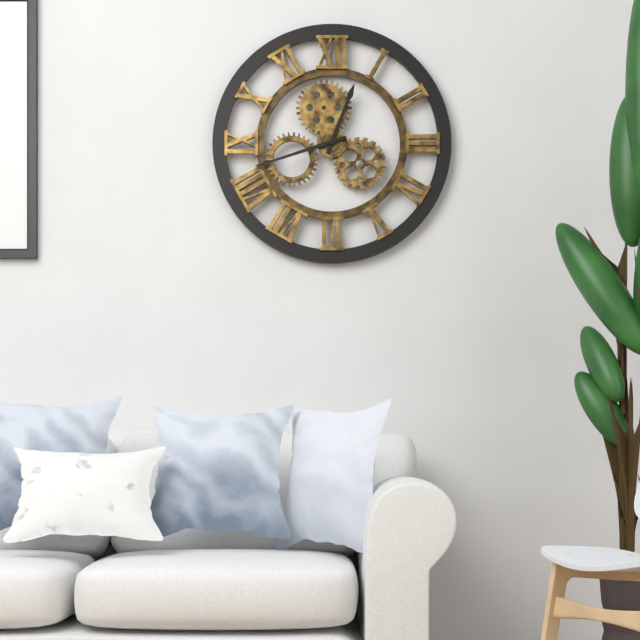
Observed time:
{"hour": 12, "minute": 42}
